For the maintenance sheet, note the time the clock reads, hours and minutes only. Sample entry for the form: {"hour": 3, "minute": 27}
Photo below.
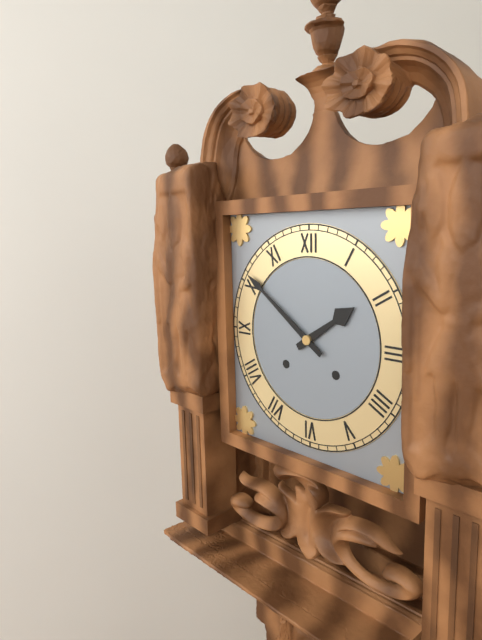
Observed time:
{"hour": 1, "minute": 51}
